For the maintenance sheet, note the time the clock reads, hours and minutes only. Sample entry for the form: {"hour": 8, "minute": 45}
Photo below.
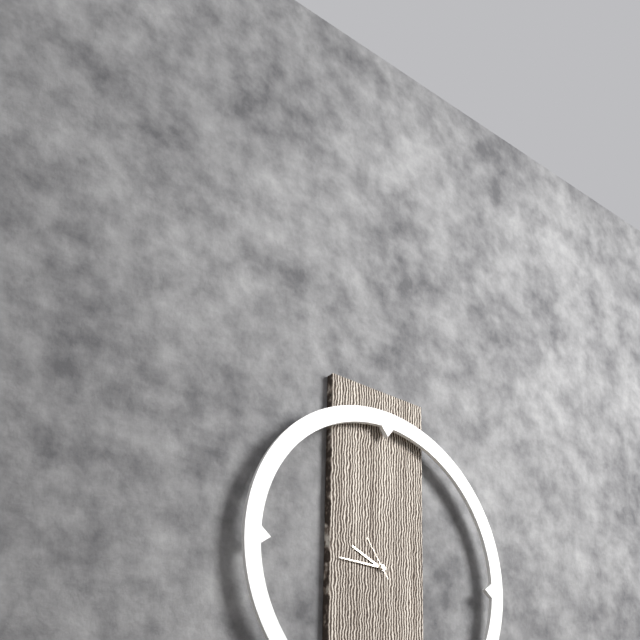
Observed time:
{"hour": 9, "minute": 45}
